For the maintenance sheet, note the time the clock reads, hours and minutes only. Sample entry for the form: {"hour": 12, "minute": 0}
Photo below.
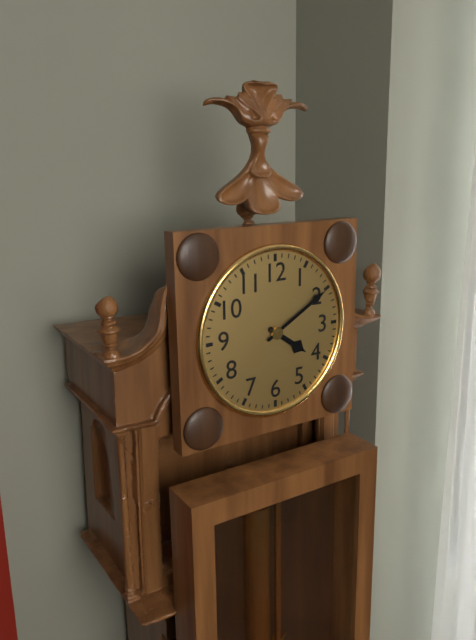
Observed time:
{"hour": 4, "minute": 10}
